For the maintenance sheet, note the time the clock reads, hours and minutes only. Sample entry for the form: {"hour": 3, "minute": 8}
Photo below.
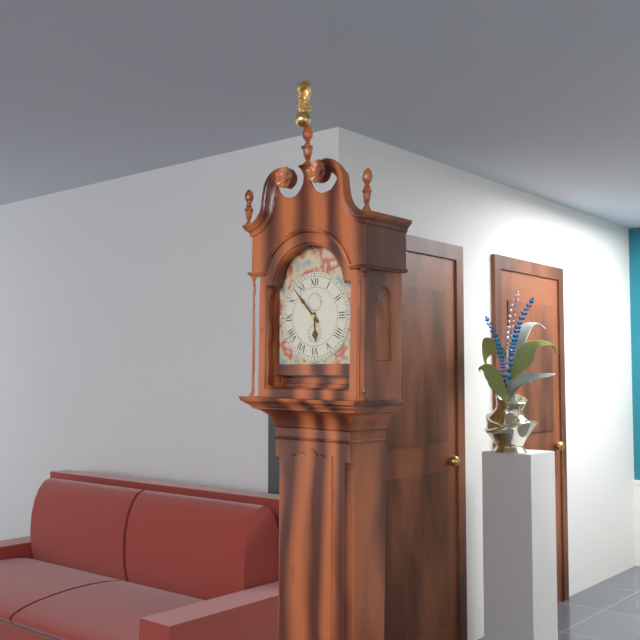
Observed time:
{"hour": 5, "minute": 53}
